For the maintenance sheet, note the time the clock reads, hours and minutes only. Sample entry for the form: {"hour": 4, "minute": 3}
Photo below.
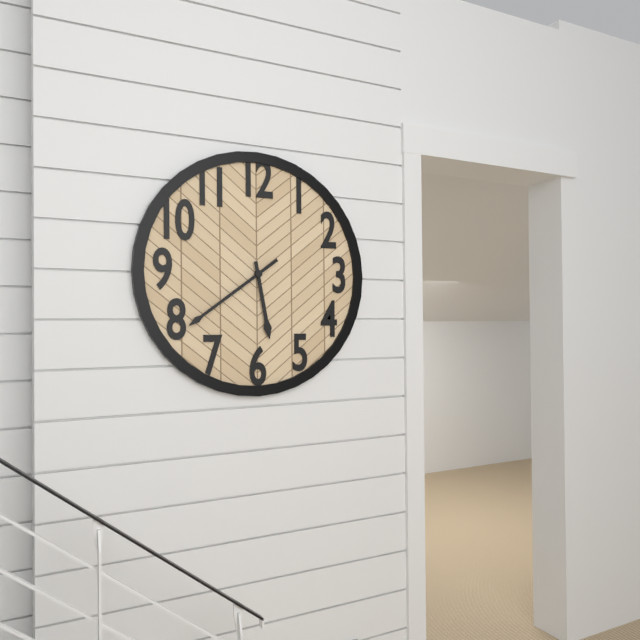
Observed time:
{"hour": 5, "minute": 39}
